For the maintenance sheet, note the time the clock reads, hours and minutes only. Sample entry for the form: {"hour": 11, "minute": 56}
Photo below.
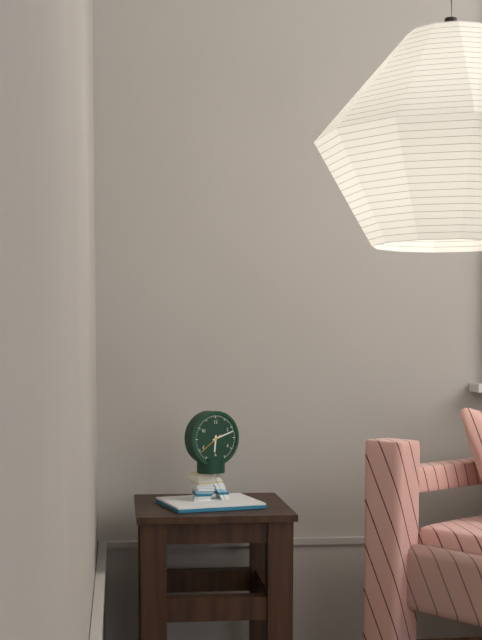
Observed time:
{"hour": 6, "minute": 12}
